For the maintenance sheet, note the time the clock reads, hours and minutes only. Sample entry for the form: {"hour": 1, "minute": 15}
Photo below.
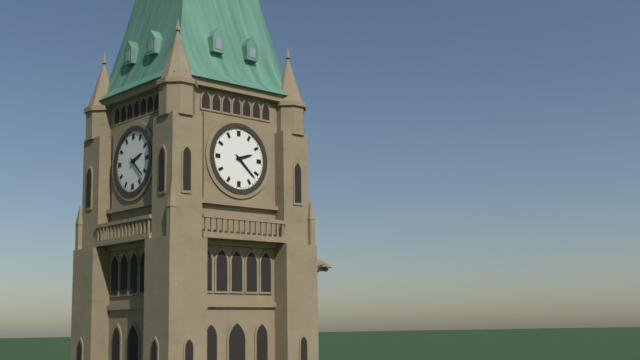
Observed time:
{"hour": 2, "minute": 22}
